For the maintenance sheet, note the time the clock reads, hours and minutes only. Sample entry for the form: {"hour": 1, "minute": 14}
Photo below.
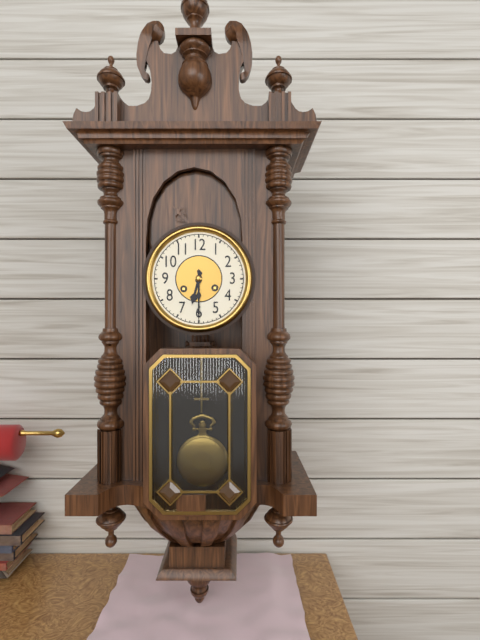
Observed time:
{"hour": 6, "minute": 30}
